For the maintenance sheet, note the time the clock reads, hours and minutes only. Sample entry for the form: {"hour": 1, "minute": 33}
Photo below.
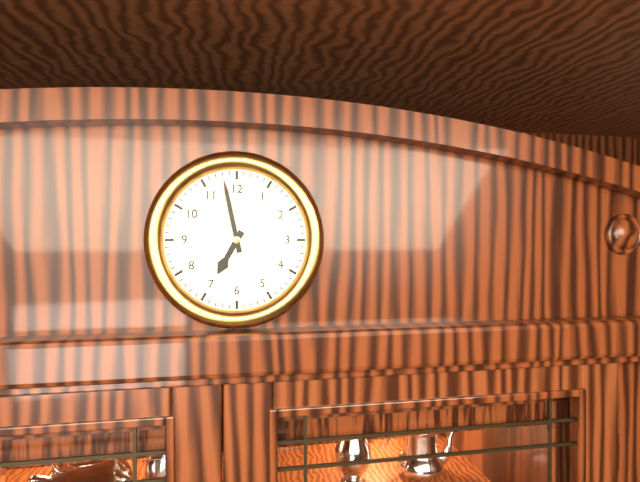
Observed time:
{"hour": 6, "minute": 58}
